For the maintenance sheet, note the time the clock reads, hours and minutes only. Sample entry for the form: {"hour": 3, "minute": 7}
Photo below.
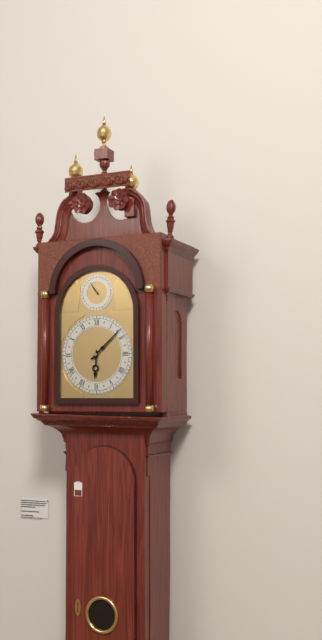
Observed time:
{"hour": 6, "minute": 8}
